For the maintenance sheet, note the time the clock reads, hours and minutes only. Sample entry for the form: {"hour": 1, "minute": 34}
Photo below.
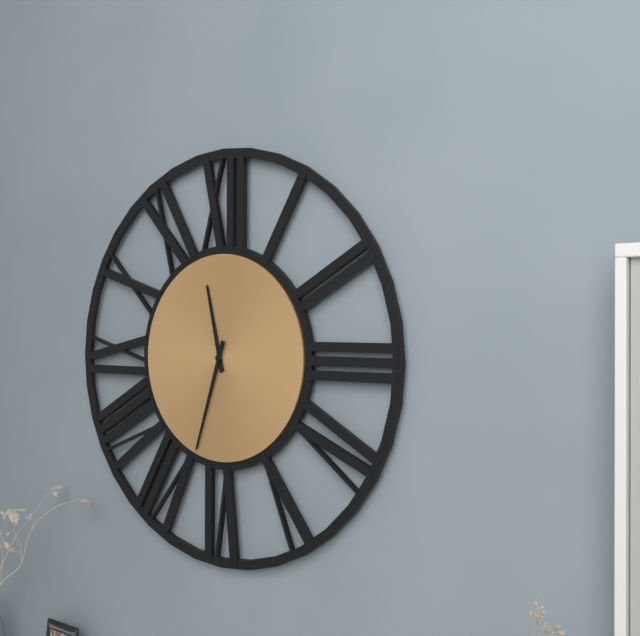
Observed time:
{"hour": 11, "minute": 33}
